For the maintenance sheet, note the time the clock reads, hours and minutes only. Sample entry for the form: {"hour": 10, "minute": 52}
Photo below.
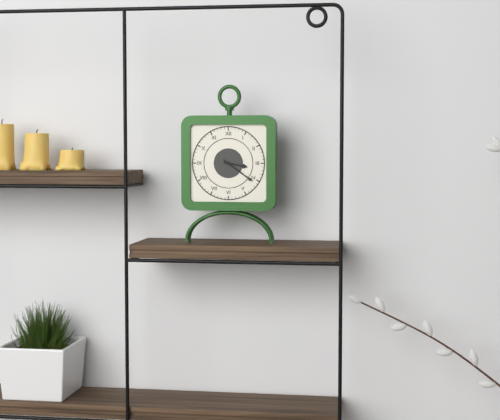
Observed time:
{"hour": 3, "minute": 21}
